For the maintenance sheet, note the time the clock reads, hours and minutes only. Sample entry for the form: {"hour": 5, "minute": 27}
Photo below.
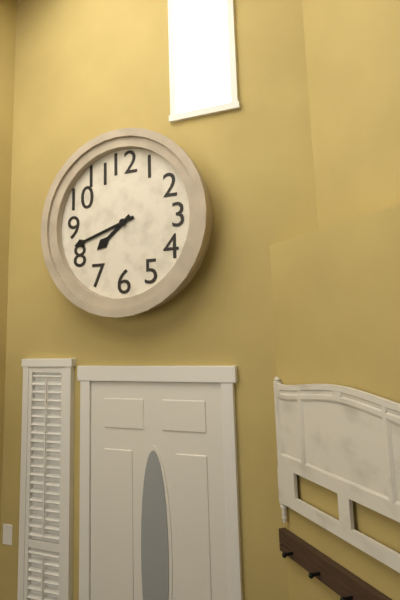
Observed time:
{"hour": 7, "minute": 42}
